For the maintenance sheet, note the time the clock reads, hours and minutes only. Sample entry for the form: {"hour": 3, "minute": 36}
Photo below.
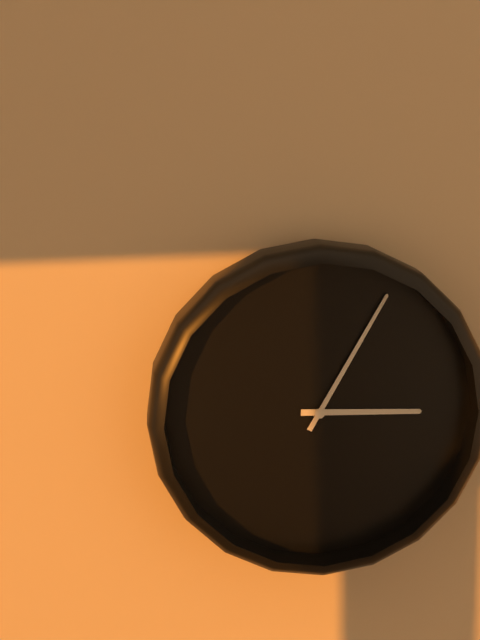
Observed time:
{"hour": 3, "minute": 5}
